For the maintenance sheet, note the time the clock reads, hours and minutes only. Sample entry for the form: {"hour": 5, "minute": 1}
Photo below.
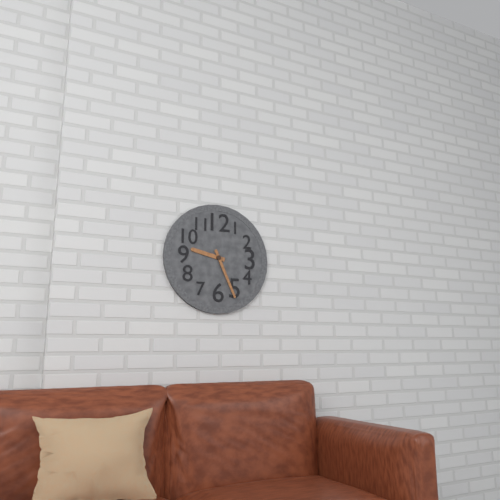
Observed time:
{"hour": 9, "minute": 26}
